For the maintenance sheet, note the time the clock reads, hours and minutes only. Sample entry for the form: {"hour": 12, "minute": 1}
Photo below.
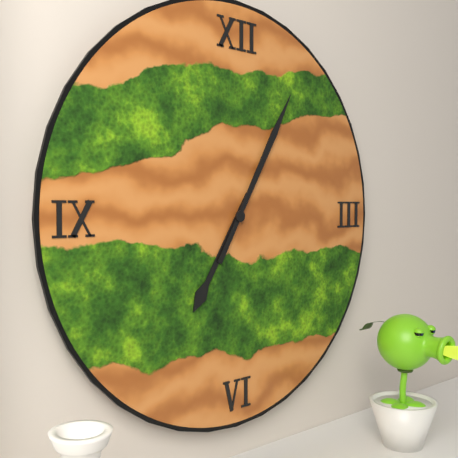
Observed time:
{"hour": 7, "minute": 5}
